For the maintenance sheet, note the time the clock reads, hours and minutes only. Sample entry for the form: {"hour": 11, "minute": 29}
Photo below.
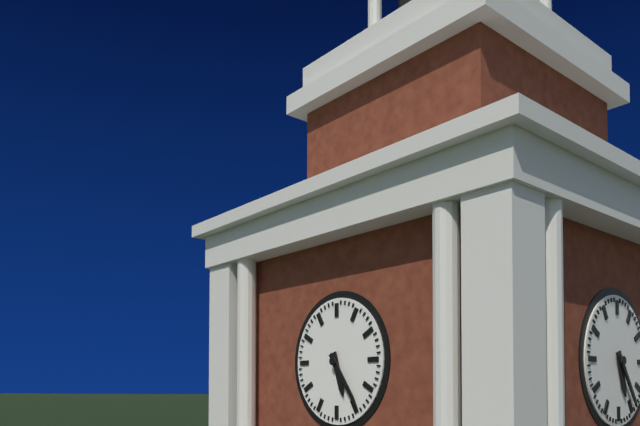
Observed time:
{"hour": 5, "minute": 24}
